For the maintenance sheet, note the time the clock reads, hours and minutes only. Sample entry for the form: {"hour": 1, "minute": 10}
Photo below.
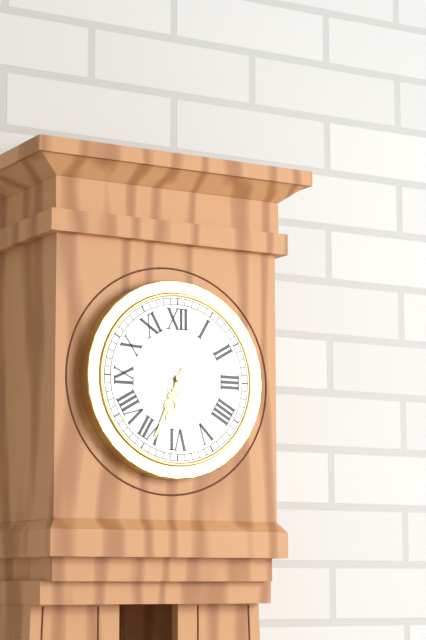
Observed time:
{"hour": 6, "minute": 34}
